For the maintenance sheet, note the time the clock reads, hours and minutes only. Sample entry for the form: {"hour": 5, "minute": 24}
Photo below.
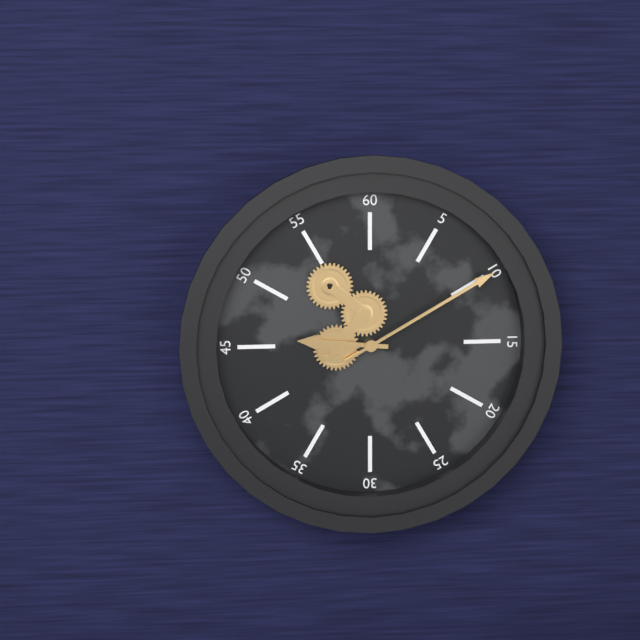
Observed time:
{"hour": 9, "minute": 10}
